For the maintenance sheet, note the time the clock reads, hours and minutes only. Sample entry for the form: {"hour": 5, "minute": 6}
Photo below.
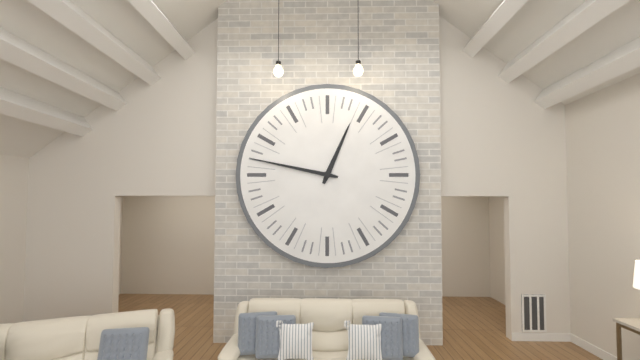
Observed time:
{"hour": 12, "minute": 47}
